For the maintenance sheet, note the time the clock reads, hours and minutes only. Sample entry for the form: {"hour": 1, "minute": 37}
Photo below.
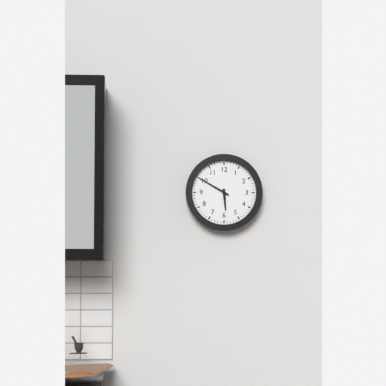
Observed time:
{"hour": 5, "minute": 50}
